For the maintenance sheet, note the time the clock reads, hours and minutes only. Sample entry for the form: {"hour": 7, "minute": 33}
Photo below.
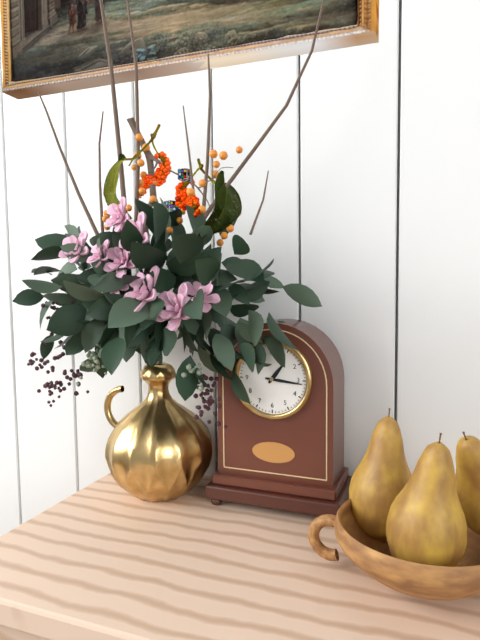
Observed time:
{"hour": 1, "minute": 16}
